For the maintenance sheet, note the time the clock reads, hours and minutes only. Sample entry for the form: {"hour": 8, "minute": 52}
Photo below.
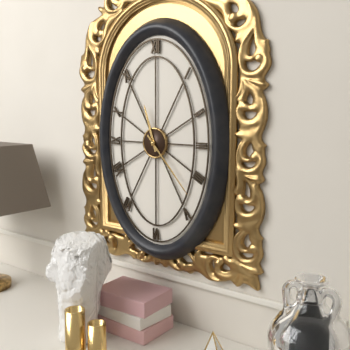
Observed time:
{"hour": 11, "minute": 23}
